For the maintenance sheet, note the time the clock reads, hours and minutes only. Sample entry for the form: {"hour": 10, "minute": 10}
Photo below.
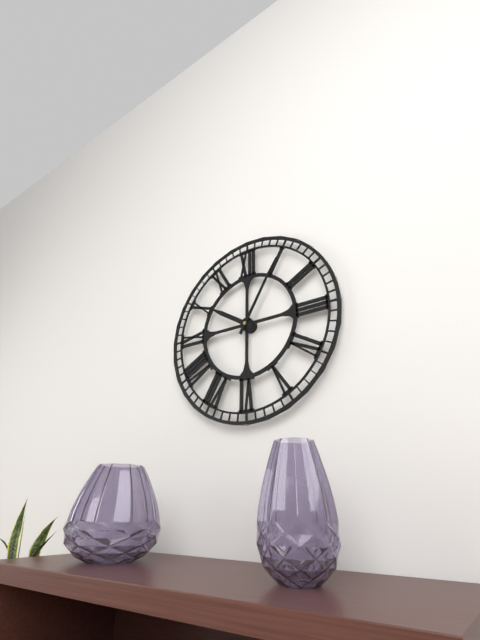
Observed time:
{"hour": 10, "minute": 5}
